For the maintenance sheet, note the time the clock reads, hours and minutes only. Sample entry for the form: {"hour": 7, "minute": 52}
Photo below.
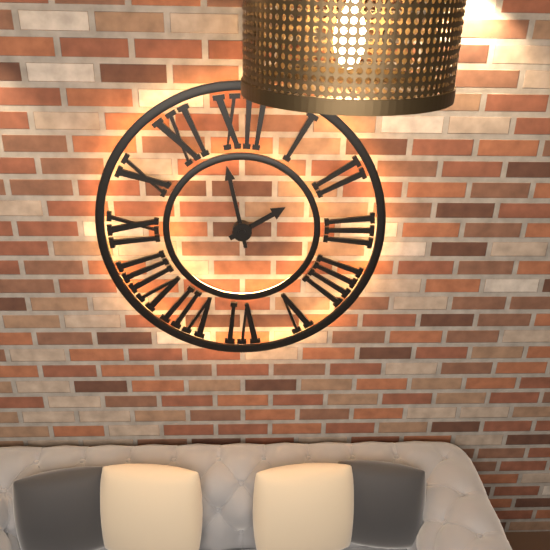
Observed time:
{"hour": 1, "minute": 58}
